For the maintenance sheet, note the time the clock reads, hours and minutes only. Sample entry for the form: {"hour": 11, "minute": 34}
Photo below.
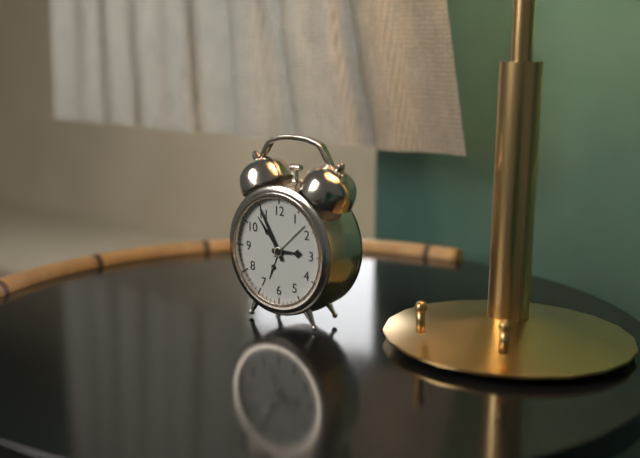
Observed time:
{"hour": 2, "minute": 55}
